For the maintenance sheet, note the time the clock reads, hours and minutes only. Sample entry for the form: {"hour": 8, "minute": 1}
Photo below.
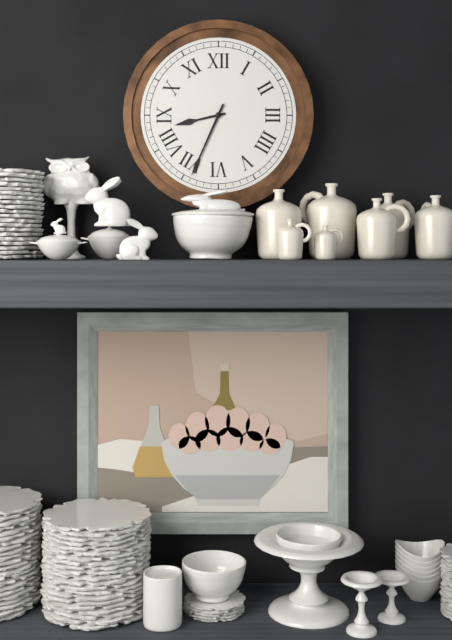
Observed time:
{"hour": 8, "minute": 34}
